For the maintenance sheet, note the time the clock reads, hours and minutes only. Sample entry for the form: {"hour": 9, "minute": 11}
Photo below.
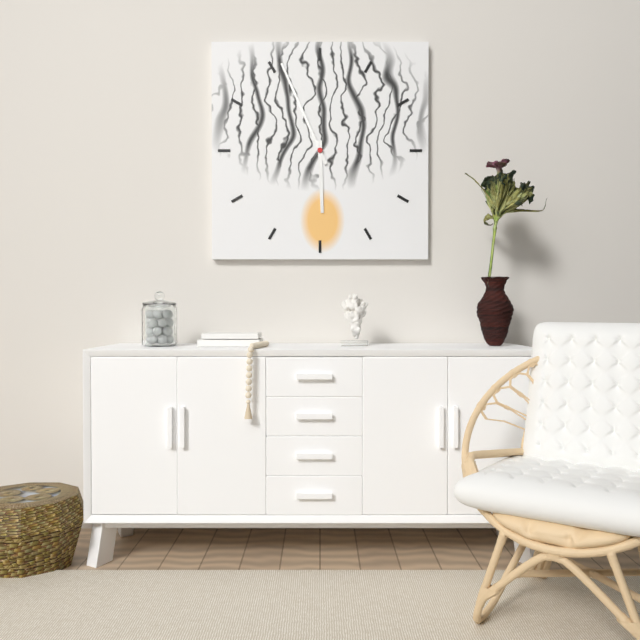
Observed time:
{"hour": 5, "minute": 56}
